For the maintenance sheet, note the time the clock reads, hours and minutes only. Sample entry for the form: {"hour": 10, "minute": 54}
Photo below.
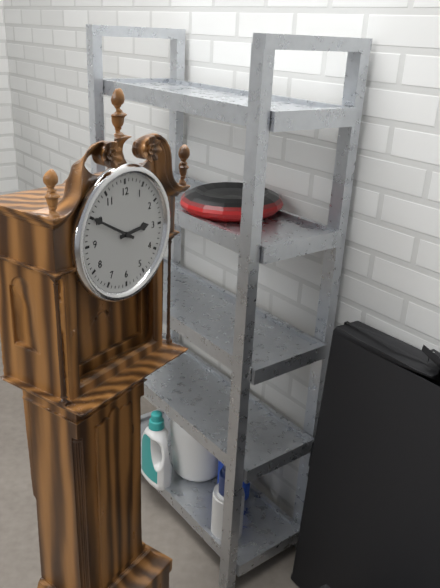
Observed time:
{"hour": 2, "minute": 50}
